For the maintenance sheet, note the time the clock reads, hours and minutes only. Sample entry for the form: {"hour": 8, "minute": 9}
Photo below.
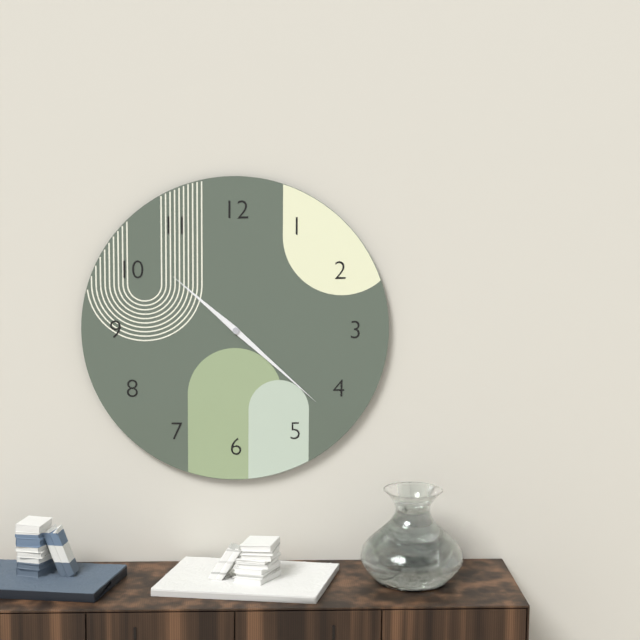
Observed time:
{"hour": 10, "minute": 22}
